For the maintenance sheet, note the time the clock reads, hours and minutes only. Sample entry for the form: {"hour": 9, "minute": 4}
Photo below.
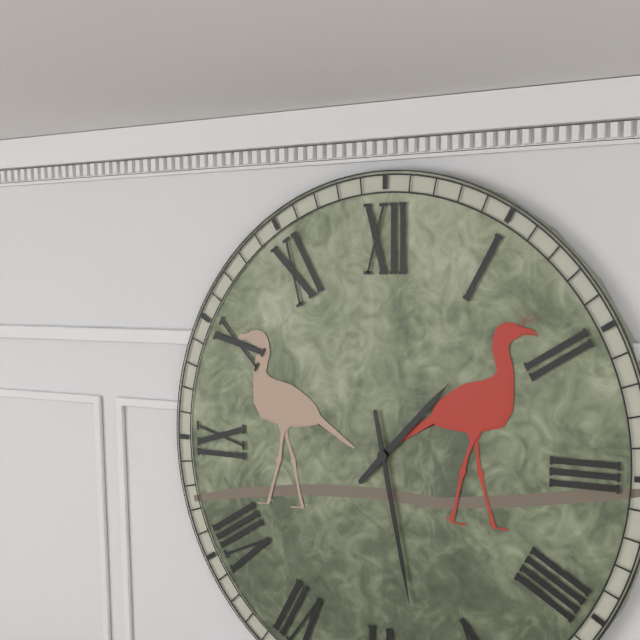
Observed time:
{"hour": 1, "minute": 28}
